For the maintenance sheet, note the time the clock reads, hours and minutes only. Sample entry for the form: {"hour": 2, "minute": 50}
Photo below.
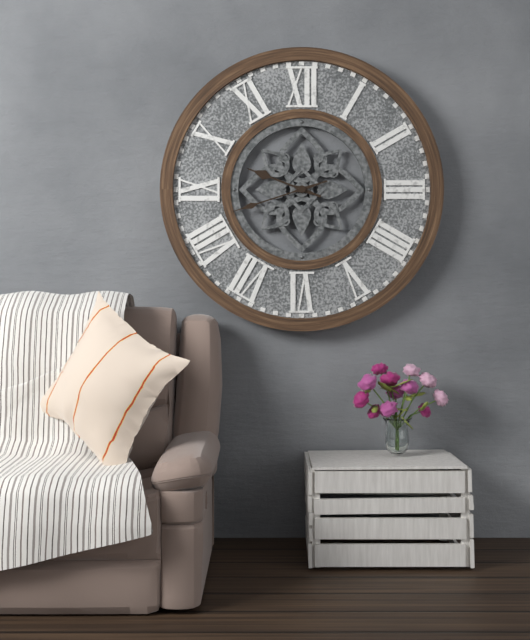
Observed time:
{"hour": 9, "minute": 42}
